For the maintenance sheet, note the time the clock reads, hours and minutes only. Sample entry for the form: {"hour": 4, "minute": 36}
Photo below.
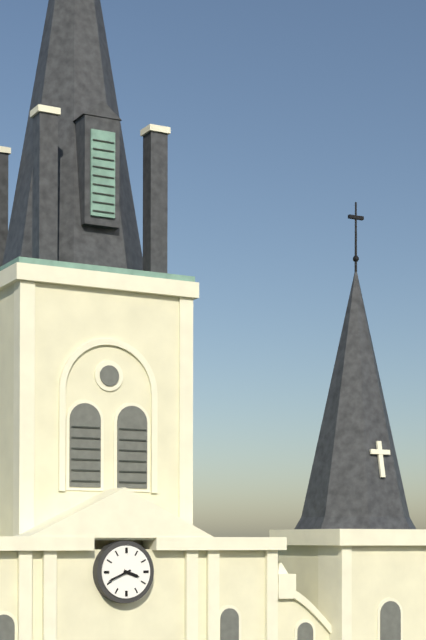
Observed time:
{"hour": 3, "minute": 41}
